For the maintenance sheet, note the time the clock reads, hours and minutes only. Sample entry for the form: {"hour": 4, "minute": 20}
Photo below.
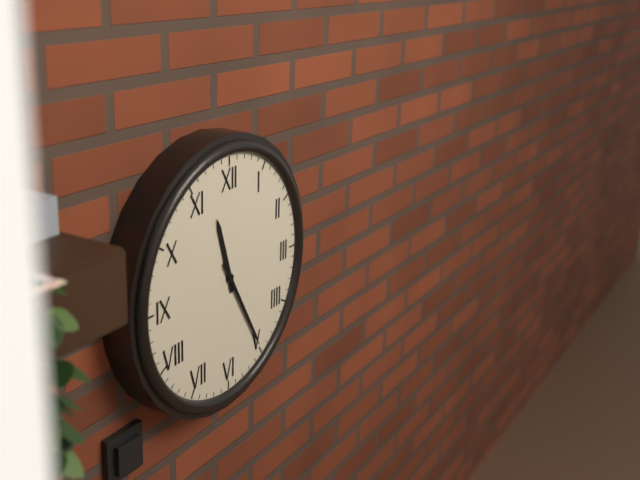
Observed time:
{"hour": 11, "minute": 25}
